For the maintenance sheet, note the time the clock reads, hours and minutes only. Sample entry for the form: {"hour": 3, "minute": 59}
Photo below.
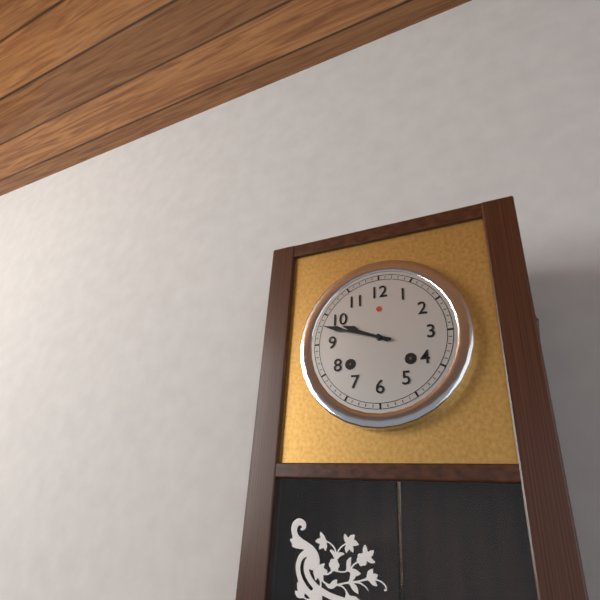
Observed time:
{"hour": 9, "minute": 48}
